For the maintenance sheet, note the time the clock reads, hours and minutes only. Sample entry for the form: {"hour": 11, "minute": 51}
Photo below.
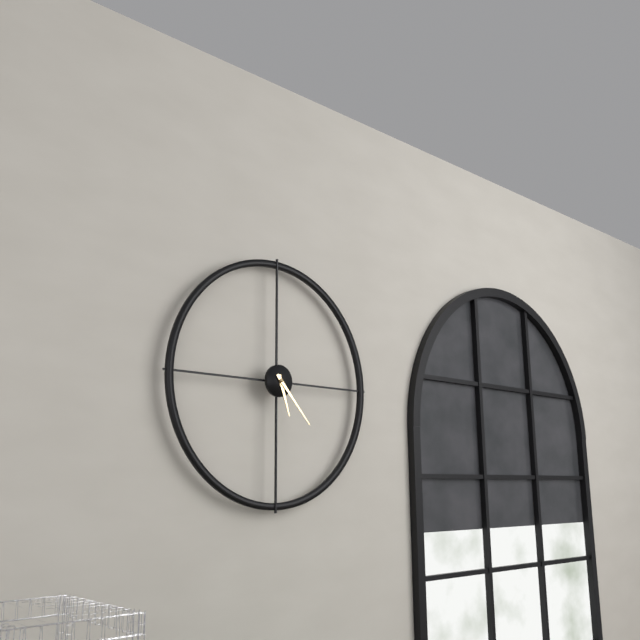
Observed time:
{"hour": 5, "minute": 23}
